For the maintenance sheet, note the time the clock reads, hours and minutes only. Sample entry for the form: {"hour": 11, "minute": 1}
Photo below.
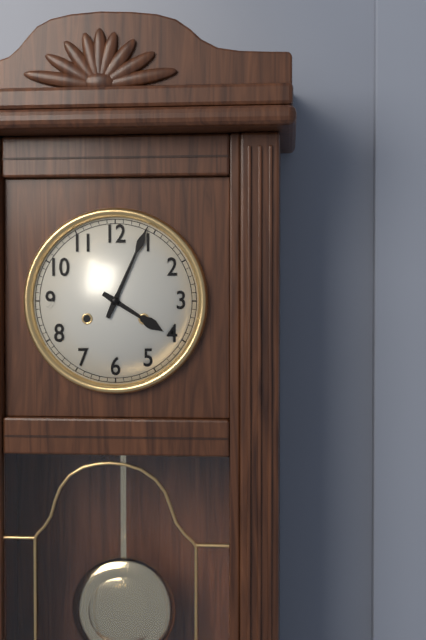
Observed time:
{"hour": 4, "minute": 4}
